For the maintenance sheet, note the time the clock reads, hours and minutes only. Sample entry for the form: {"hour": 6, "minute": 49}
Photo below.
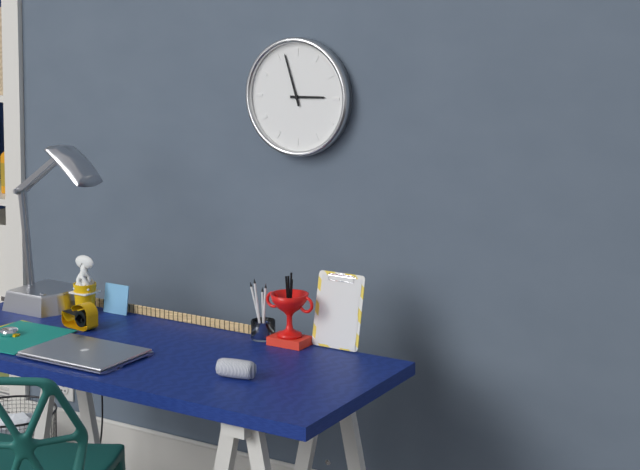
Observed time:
{"hour": 2, "minute": 57}
